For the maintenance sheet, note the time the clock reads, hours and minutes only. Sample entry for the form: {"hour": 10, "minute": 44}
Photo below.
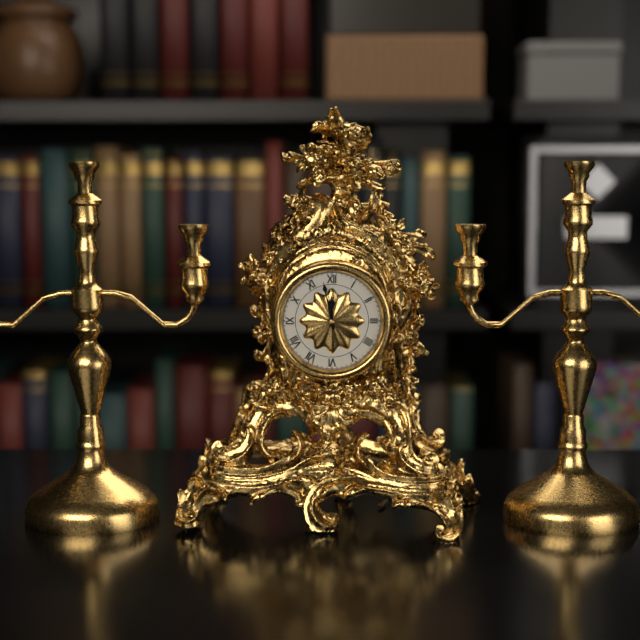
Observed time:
{"hour": 11, "minute": 58}
